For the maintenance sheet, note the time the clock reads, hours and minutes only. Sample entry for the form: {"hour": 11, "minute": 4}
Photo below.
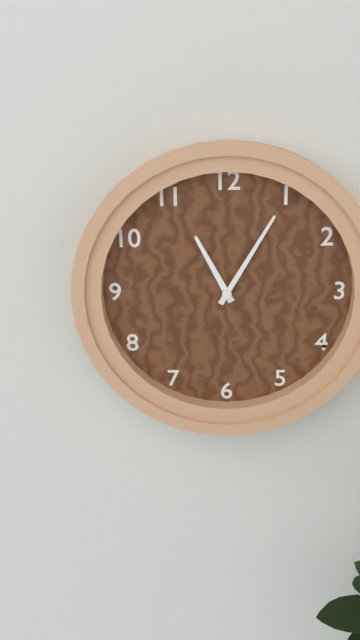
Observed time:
{"hour": 11, "minute": 5}
